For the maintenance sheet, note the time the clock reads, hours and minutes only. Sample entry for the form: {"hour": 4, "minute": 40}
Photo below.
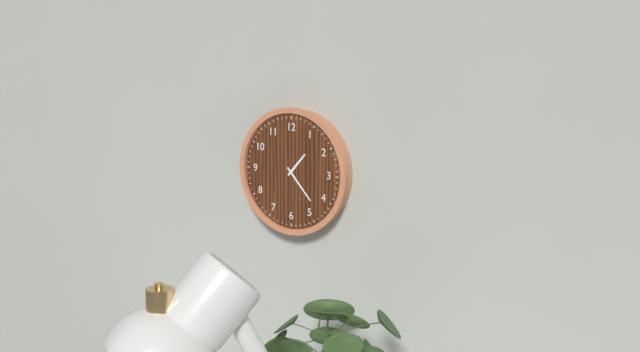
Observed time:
{"hour": 1, "minute": 23}
